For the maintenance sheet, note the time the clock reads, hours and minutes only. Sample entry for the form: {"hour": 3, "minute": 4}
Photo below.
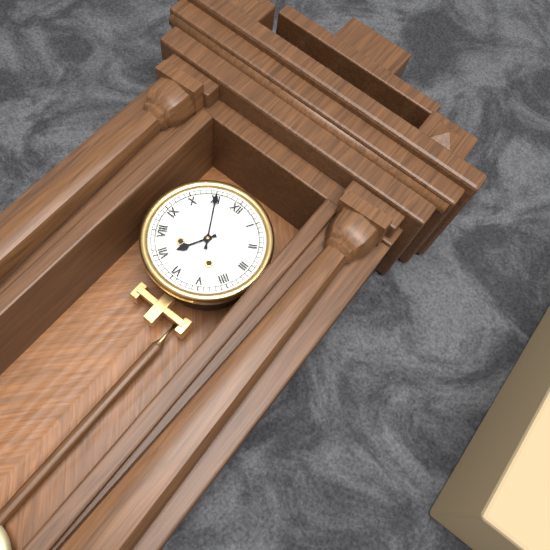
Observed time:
{"hour": 6, "minute": 55}
